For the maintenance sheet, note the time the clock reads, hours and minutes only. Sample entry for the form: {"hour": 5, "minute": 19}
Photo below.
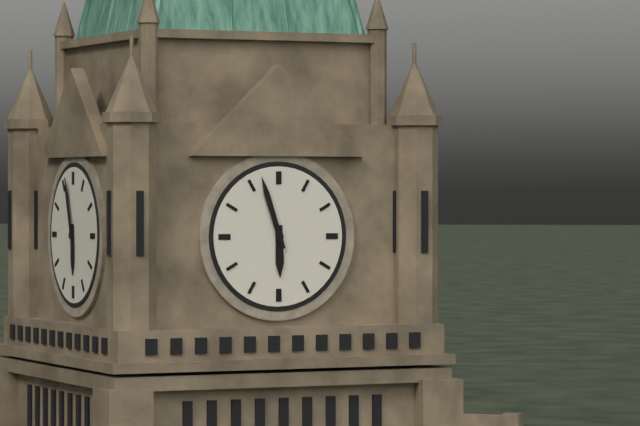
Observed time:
{"hour": 5, "minute": 57}
